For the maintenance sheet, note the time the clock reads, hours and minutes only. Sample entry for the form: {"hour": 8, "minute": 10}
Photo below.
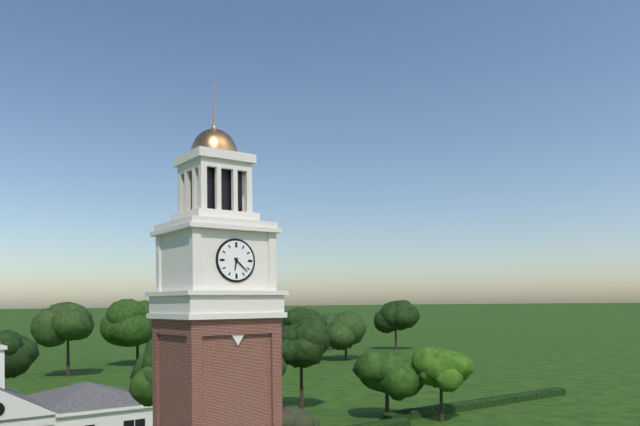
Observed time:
{"hour": 6, "minute": 22}
